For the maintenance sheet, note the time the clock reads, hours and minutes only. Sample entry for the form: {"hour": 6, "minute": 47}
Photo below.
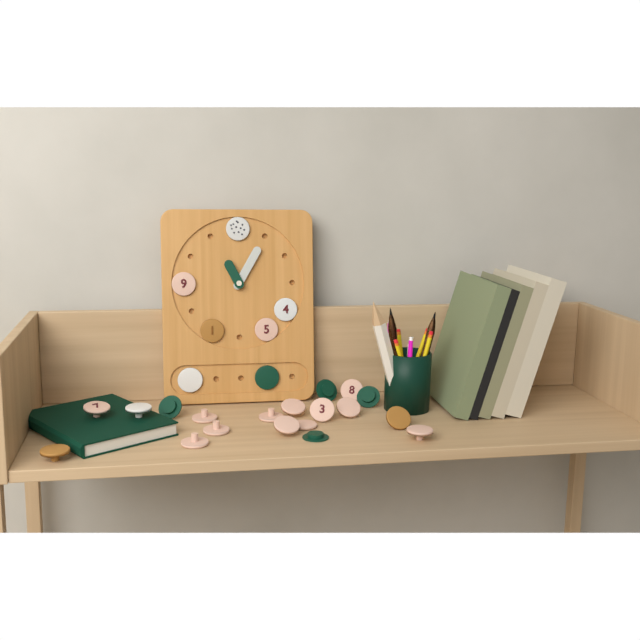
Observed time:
{"hour": 11, "minute": 5}
